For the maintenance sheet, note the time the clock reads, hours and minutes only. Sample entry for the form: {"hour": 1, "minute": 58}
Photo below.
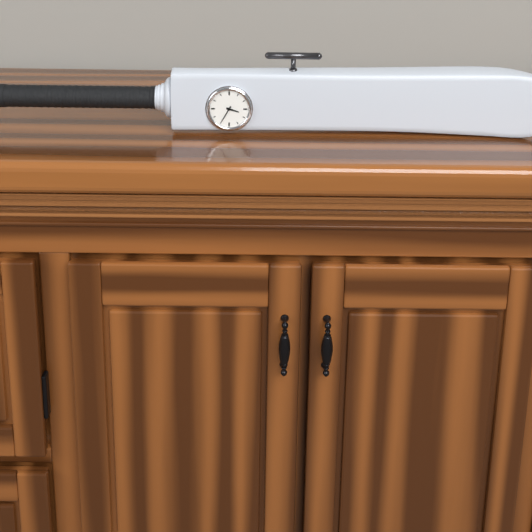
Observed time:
{"hour": 3, "minute": 35}
